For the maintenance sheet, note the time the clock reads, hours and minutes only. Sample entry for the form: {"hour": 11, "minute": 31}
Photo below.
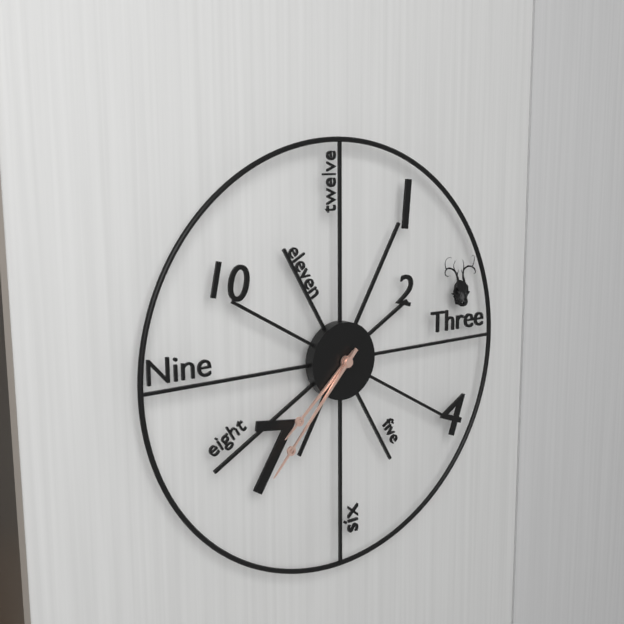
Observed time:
{"hour": 7, "minute": 37}
